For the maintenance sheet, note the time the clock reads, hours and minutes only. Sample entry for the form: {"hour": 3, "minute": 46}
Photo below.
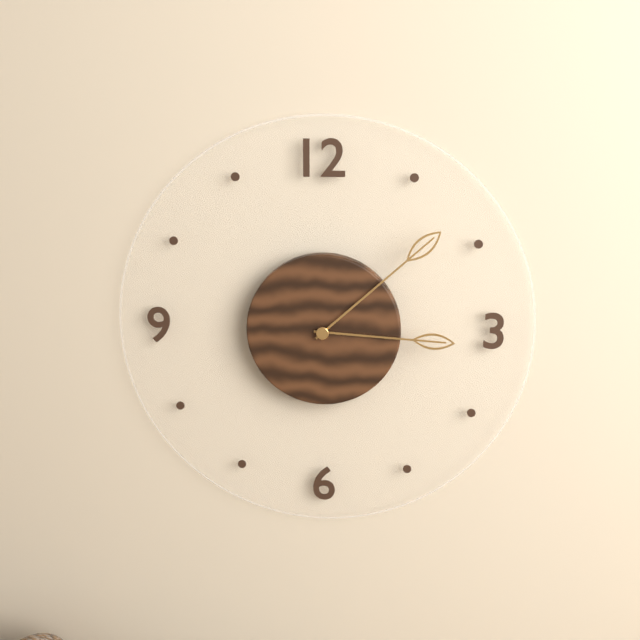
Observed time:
{"hour": 3, "minute": 8}
